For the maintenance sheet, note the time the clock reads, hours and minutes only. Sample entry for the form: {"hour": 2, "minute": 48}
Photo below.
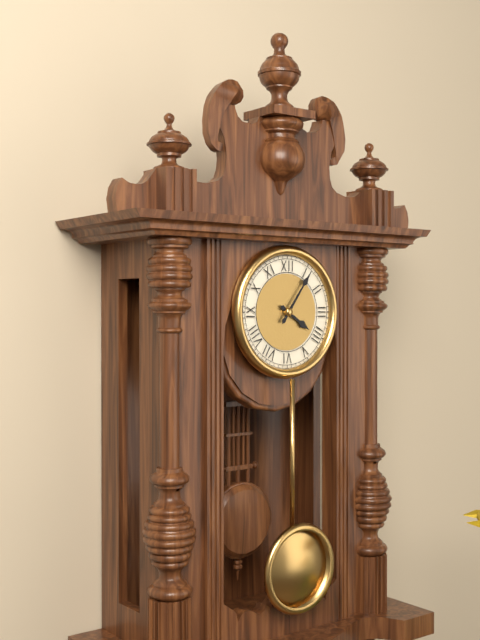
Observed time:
{"hour": 4, "minute": 6}
